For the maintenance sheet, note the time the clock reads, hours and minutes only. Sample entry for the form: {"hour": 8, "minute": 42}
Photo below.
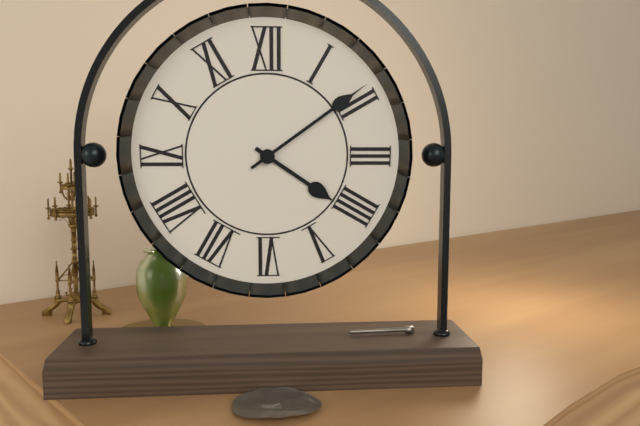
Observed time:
{"hour": 4, "minute": 9}
